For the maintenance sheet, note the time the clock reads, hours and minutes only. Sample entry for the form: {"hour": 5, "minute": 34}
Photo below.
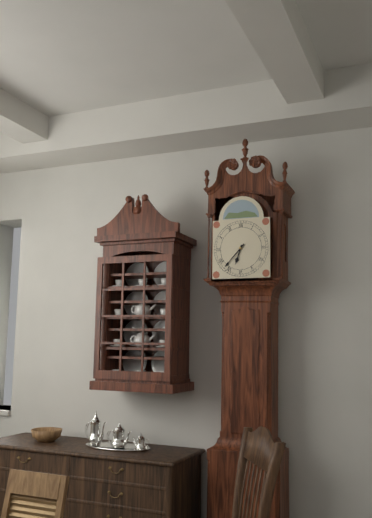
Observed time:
{"hour": 6, "minute": 37}
